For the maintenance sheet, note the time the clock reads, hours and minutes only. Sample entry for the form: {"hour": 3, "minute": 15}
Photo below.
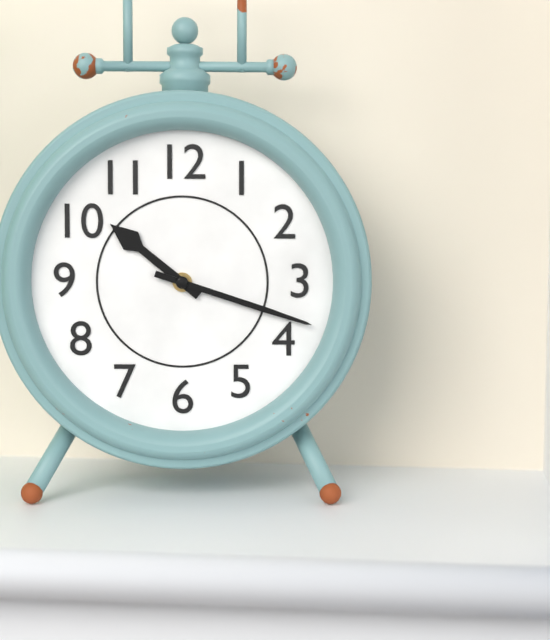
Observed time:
{"hour": 10, "minute": 18}
